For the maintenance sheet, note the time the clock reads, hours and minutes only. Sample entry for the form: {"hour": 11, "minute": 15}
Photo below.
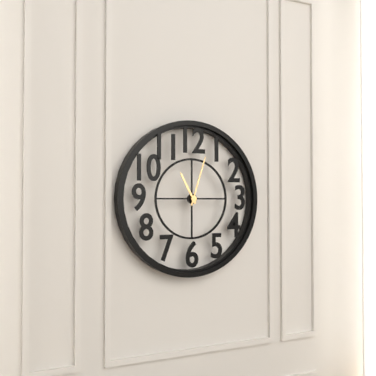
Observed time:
{"hour": 11, "minute": 3}
